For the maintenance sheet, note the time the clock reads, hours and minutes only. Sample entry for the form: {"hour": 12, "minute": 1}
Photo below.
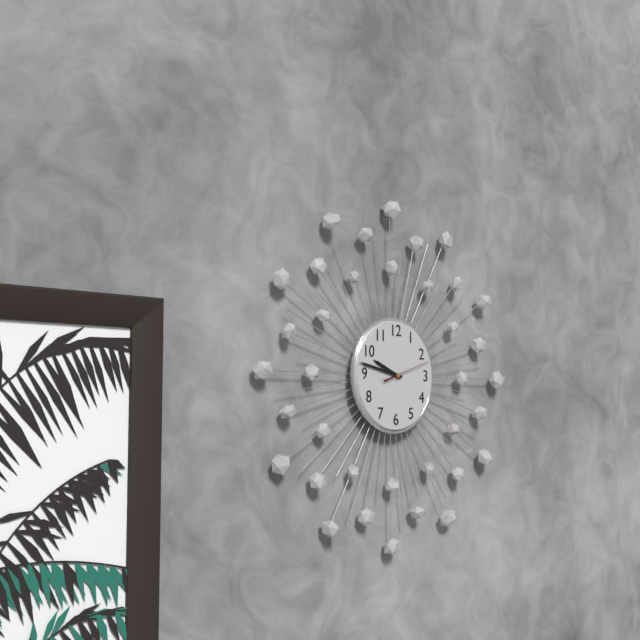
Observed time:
{"hour": 9, "minute": 47}
